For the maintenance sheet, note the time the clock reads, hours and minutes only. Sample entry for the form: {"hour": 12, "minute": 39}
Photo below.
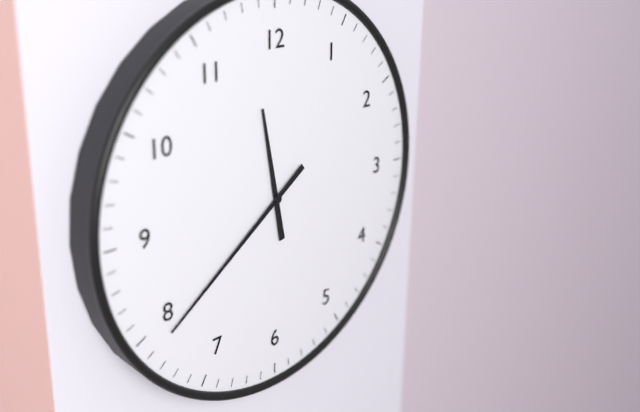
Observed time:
{"hour": 11, "minute": 39}
